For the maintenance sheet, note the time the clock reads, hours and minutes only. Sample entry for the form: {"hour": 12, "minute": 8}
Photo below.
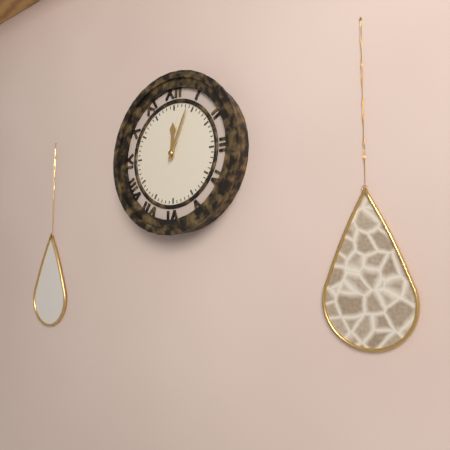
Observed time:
{"hour": 12, "minute": 4}
